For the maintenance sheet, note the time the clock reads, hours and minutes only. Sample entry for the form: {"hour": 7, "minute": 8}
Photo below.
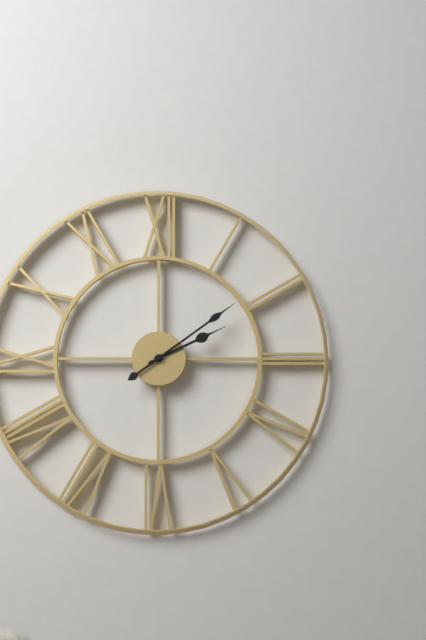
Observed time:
{"hour": 2, "minute": 9}
